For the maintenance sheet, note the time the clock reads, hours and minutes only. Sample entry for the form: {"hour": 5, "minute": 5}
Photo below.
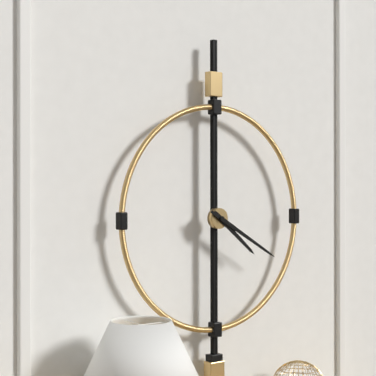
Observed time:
{"hour": 4, "minute": 20}
